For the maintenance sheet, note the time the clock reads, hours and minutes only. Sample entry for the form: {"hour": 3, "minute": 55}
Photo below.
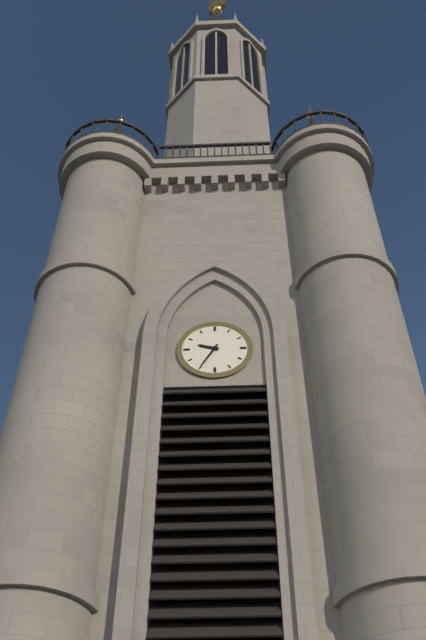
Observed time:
{"hour": 9, "minute": 35}
